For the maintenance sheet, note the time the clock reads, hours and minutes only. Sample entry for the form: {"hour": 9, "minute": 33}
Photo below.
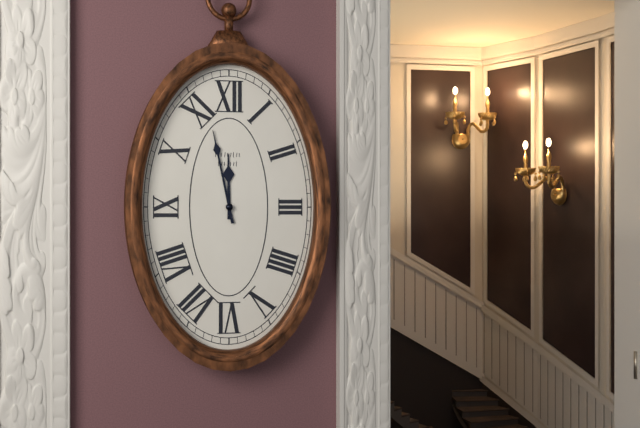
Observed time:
{"hour": 11, "minute": 58}
